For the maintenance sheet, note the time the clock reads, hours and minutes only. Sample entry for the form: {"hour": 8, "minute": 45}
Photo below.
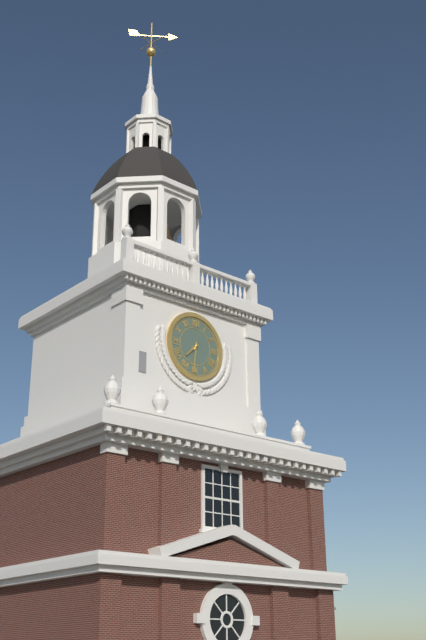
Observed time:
{"hour": 7, "minute": 31}
